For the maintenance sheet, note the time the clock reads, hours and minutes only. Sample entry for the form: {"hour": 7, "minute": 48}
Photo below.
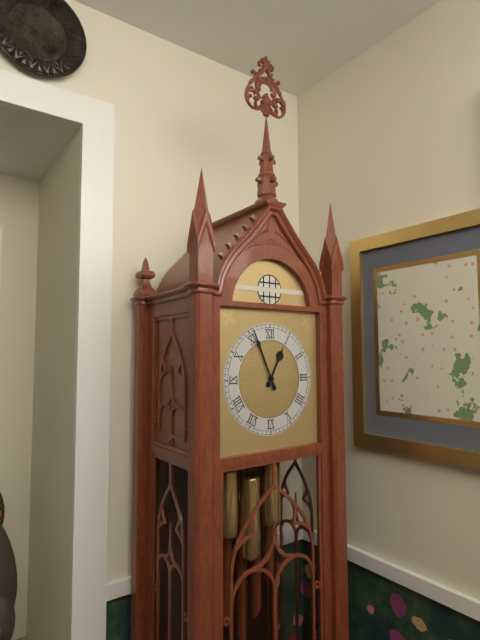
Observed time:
{"hour": 12, "minute": 56}
